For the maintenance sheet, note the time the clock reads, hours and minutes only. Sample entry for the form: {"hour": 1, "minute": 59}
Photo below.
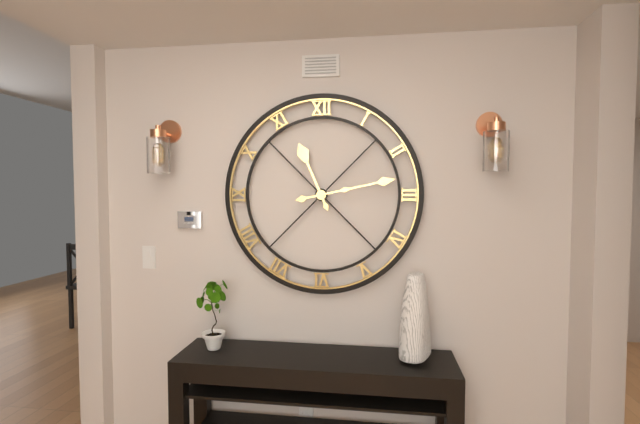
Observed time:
{"hour": 11, "minute": 13}
